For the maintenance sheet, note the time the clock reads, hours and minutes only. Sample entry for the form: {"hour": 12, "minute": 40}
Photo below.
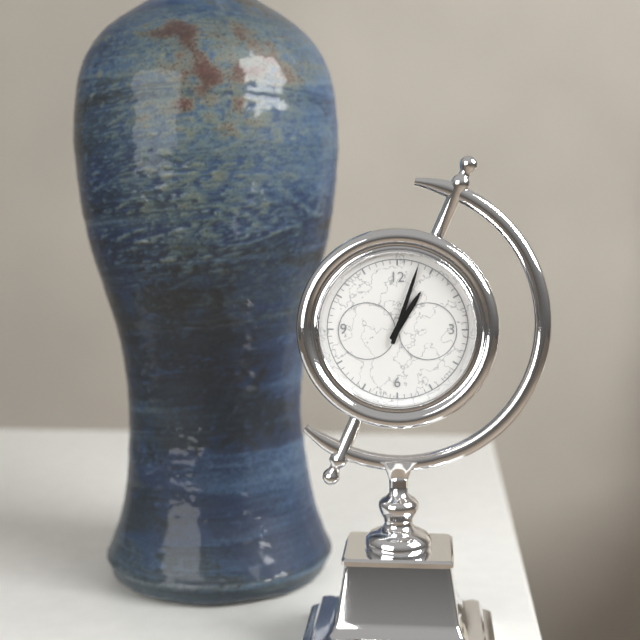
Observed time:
{"hour": 1, "minute": 3}
